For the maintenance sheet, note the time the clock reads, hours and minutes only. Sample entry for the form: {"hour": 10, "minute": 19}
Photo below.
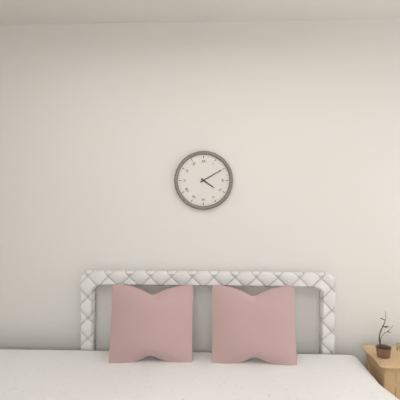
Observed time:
{"hour": 4, "minute": 10}
